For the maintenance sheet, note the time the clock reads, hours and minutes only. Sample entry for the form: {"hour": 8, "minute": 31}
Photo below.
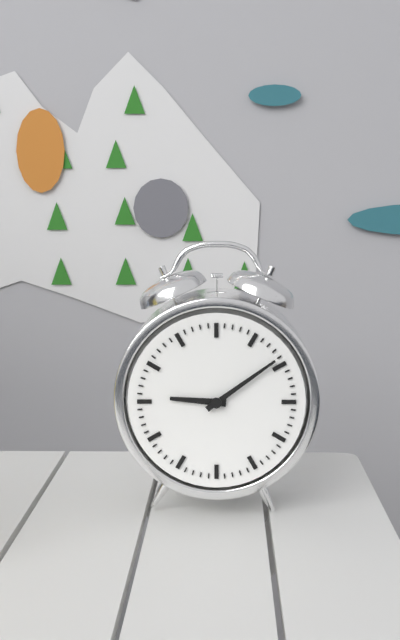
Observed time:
{"hour": 9, "minute": 9}
